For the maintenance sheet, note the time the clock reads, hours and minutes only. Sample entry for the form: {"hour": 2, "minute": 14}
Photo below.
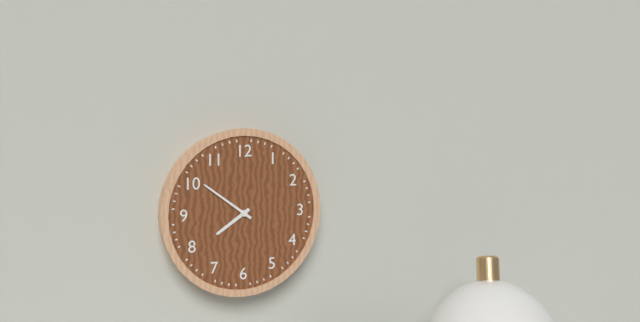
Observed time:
{"hour": 7, "minute": 51}
